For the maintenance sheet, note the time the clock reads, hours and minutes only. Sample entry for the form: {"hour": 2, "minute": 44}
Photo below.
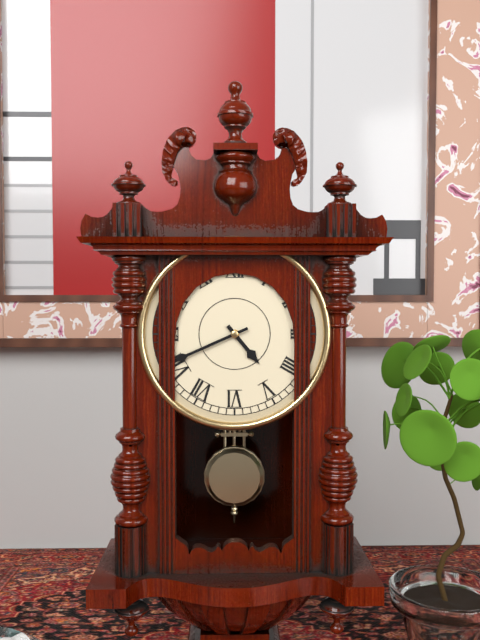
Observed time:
{"hour": 4, "minute": 41}
